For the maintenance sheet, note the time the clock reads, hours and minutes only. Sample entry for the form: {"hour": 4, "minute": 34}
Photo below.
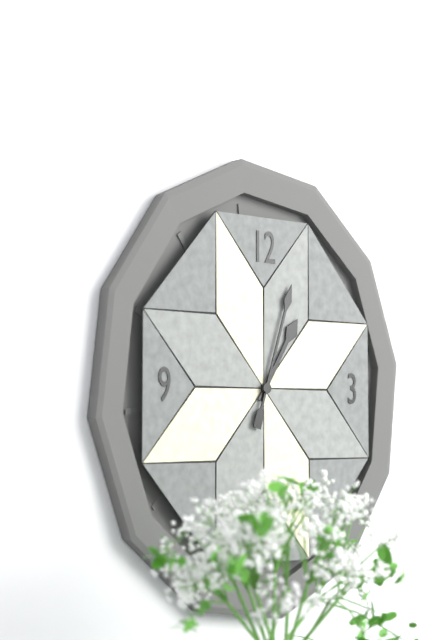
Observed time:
{"hour": 1, "minute": 3}
